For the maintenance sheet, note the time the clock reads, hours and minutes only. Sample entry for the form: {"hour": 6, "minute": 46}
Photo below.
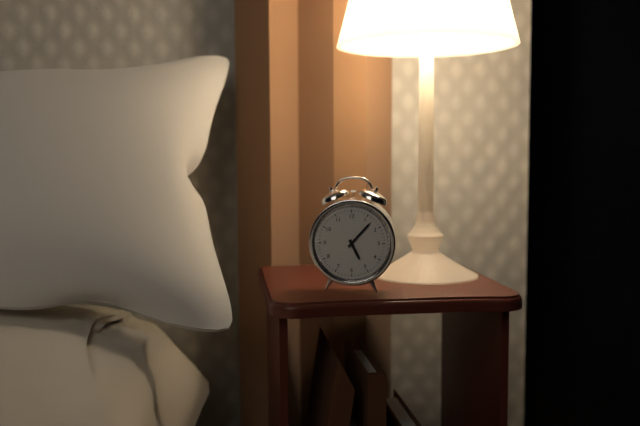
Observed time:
{"hour": 5, "minute": 7}
